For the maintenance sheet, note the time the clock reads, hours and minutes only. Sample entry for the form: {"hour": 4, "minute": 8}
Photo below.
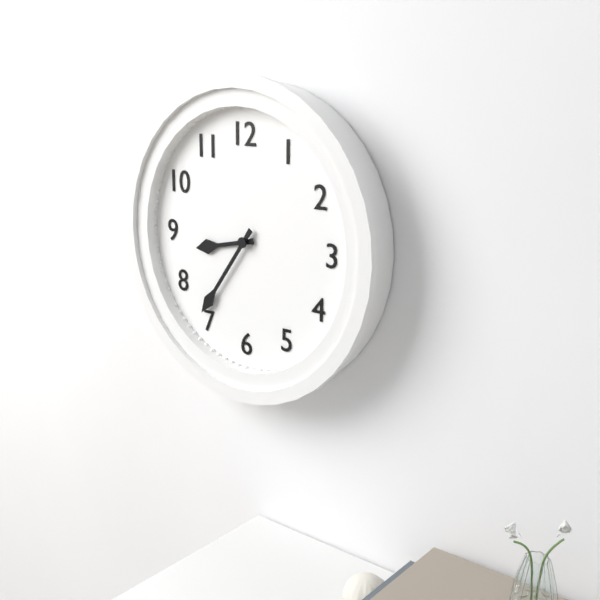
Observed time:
{"hour": 8, "minute": 36}
